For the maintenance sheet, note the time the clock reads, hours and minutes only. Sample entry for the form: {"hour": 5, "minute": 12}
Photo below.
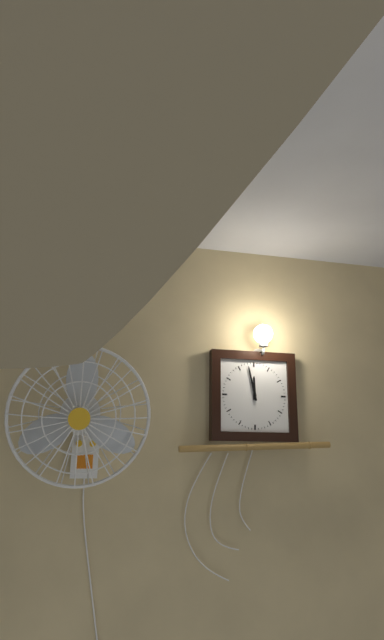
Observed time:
{"hour": 11, "minute": 58}
